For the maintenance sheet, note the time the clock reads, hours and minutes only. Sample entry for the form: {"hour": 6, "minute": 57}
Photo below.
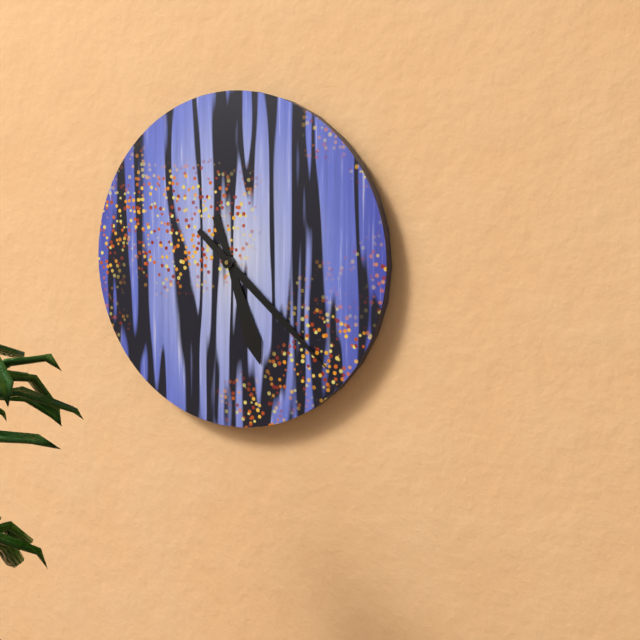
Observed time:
{"hour": 5, "minute": 22}
